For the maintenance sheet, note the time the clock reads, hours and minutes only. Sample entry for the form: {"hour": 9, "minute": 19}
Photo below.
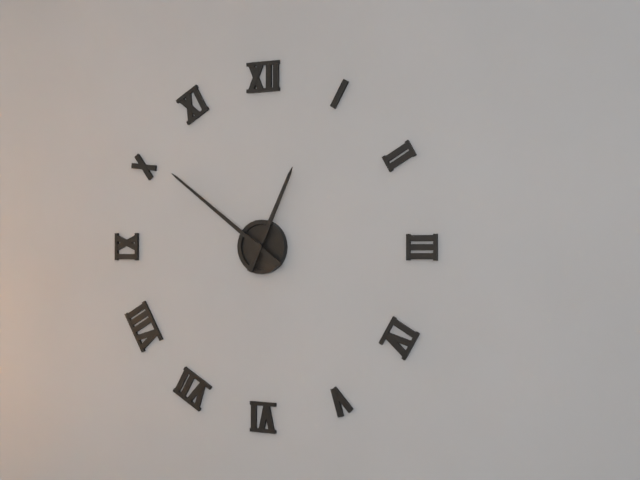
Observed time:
{"hour": 12, "minute": 51}
